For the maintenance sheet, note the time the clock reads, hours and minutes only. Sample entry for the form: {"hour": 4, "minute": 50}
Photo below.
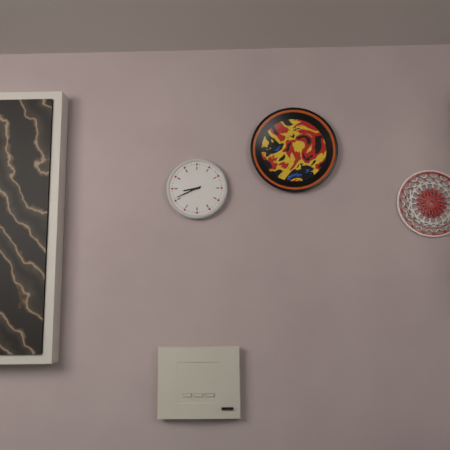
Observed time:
{"hour": 8, "minute": 41}
